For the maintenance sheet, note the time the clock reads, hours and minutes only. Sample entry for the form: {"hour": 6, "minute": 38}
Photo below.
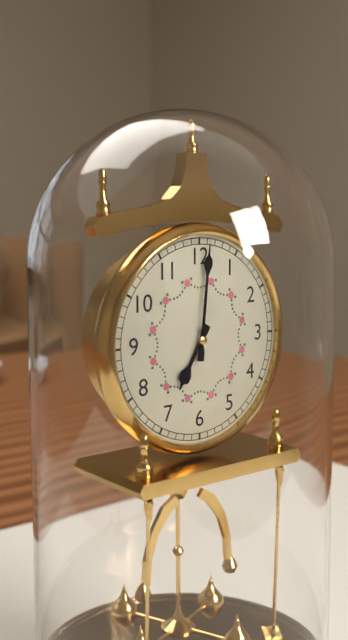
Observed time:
{"hour": 7, "minute": 1}
